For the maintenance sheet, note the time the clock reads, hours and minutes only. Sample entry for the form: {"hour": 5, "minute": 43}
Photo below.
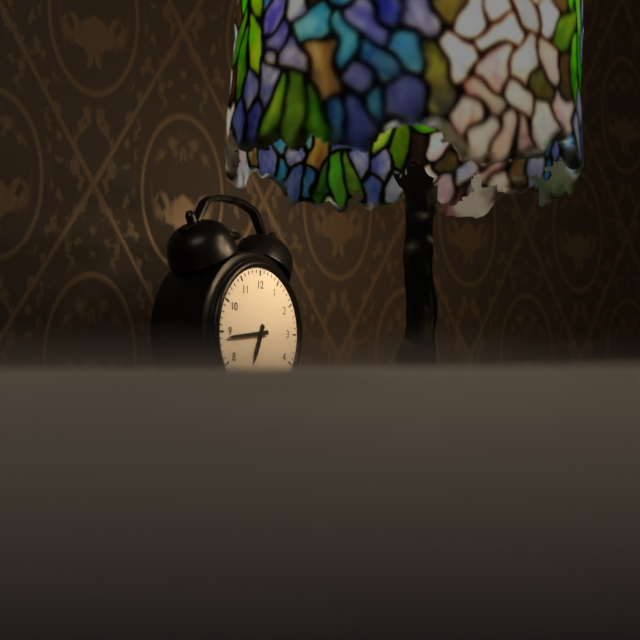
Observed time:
{"hour": 6, "minute": 44}
